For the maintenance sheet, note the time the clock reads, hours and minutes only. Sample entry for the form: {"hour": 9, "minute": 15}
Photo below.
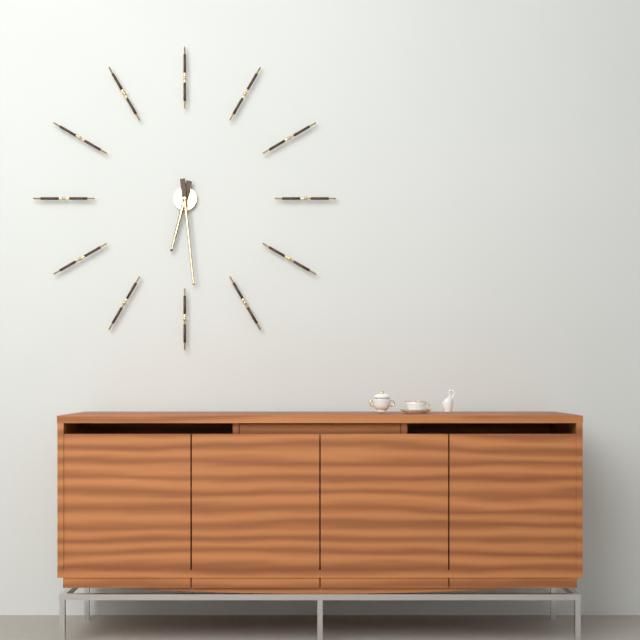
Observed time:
{"hour": 6, "minute": 29}
